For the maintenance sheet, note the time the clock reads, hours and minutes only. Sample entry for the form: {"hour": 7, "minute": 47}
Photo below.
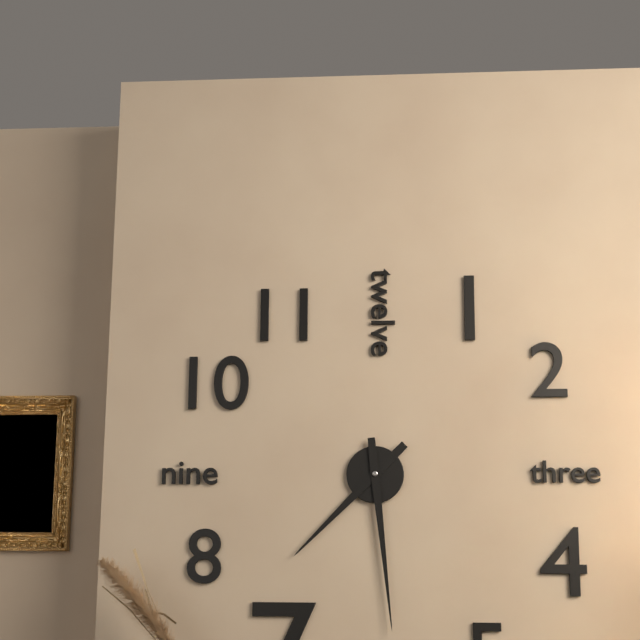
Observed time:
{"hour": 7, "minute": 29}
